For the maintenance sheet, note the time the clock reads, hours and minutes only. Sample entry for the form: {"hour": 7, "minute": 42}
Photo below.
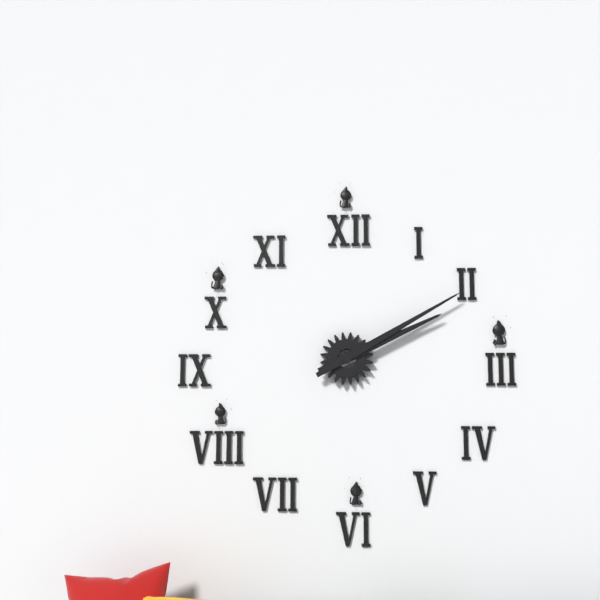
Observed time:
{"hour": 2, "minute": 10}
